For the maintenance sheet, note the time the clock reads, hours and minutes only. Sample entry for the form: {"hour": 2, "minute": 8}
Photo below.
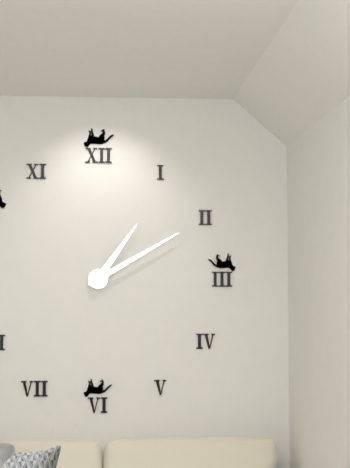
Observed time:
{"hour": 1, "minute": 10}
